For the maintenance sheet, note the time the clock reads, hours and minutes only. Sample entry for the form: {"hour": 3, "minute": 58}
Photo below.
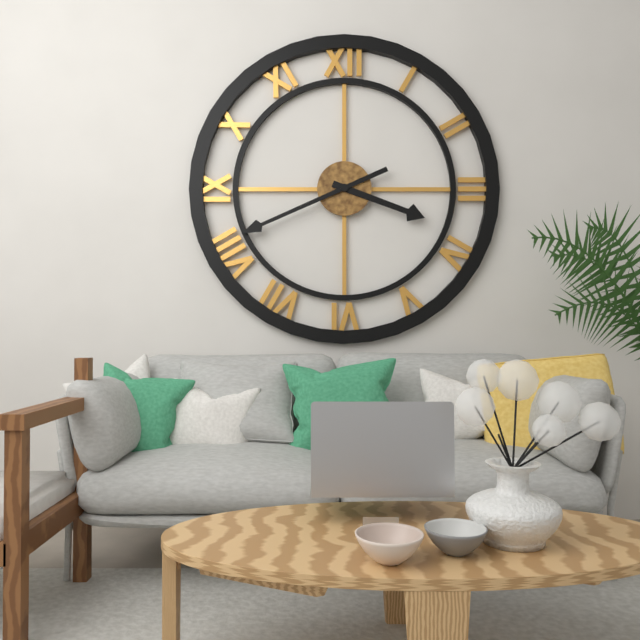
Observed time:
{"hour": 3, "minute": 41}
